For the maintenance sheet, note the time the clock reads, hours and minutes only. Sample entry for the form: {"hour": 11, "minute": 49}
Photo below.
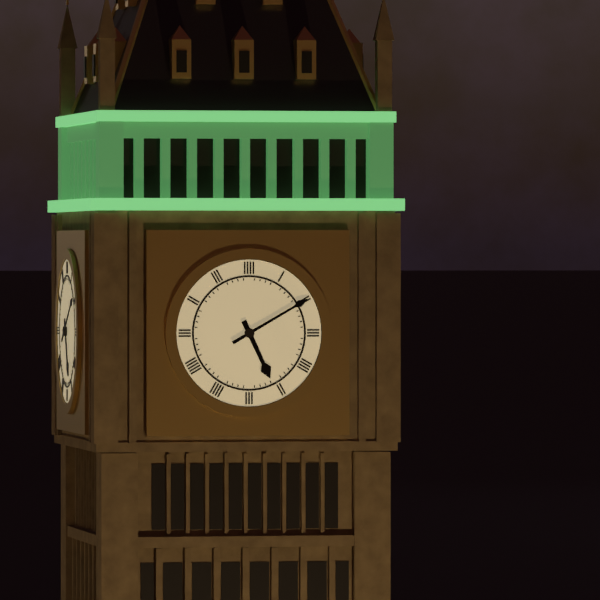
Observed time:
{"hour": 5, "minute": 10}
